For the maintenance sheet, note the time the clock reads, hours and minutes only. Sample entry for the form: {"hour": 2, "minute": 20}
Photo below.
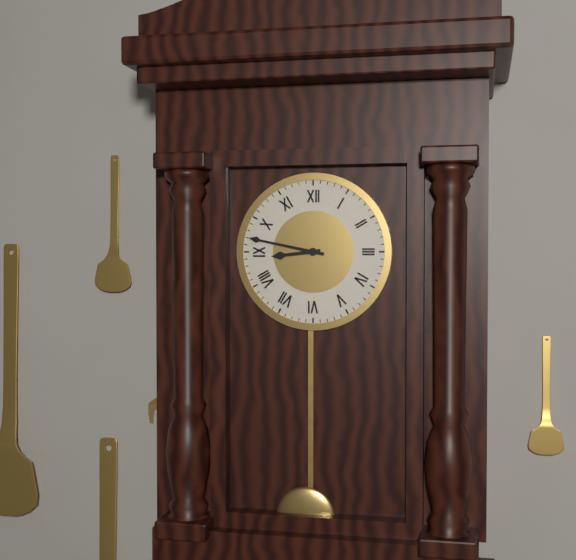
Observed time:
{"hour": 8, "minute": 47}
